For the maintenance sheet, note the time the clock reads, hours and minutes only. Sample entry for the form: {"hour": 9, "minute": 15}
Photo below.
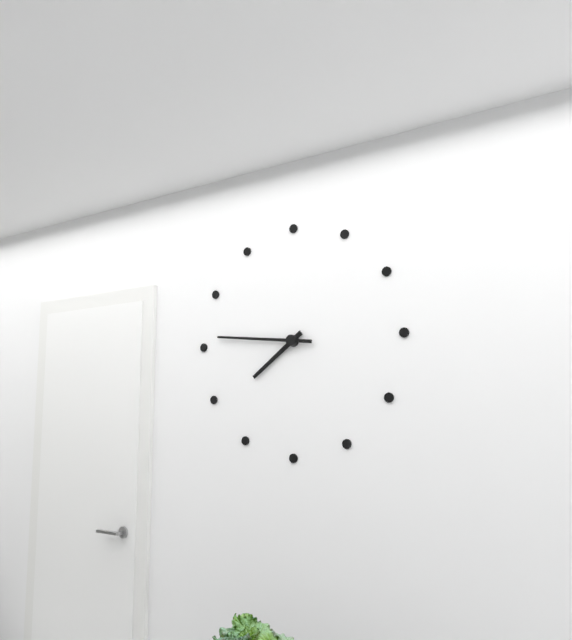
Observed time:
{"hour": 7, "minute": 46}
